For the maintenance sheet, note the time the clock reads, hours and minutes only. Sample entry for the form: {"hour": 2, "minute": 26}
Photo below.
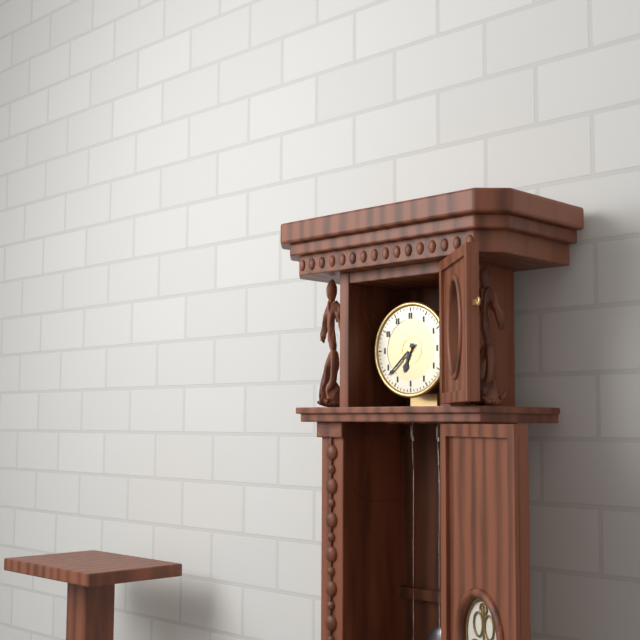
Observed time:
{"hour": 6, "minute": 38}
